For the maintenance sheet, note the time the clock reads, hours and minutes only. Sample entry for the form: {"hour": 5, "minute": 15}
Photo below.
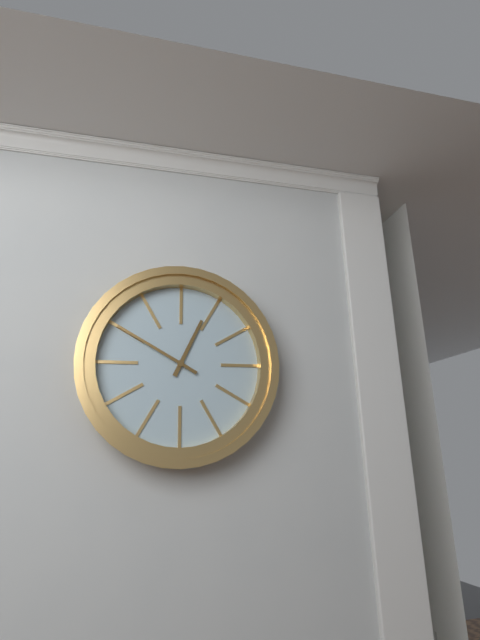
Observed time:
{"hour": 12, "minute": 50}
